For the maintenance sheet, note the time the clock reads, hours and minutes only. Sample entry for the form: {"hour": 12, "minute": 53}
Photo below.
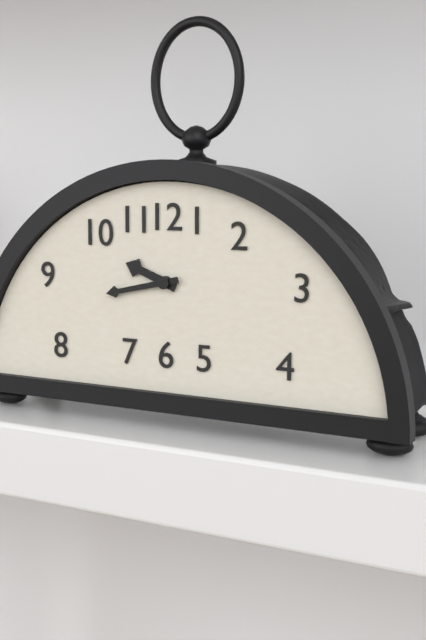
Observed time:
{"hour": 9, "minute": 43}
